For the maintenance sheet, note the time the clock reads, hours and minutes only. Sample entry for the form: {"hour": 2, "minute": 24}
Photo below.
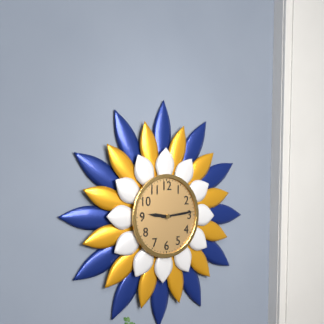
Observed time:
{"hour": 9, "minute": 14}
